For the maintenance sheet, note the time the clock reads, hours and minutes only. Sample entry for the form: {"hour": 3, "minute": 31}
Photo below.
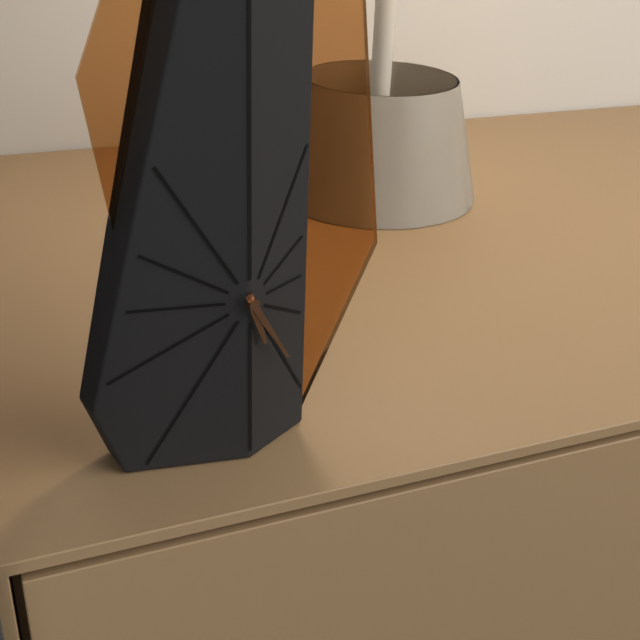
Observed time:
{"hour": 5, "minute": 25}
